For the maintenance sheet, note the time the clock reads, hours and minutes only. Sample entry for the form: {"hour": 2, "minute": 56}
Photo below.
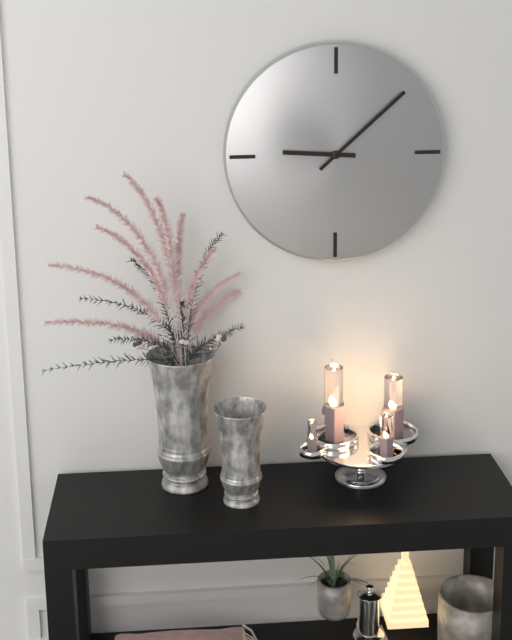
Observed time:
{"hour": 9, "minute": 8}
